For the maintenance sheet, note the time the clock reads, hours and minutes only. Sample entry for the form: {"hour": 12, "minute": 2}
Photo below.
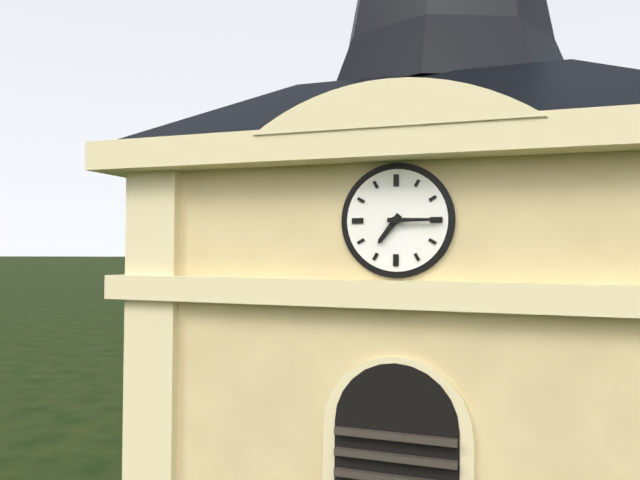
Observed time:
{"hour": 7, "minute": 15}
